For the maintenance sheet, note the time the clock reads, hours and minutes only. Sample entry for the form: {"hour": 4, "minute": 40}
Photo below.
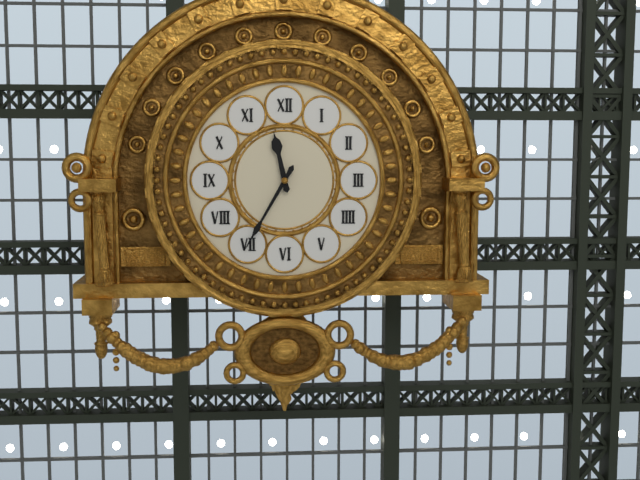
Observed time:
{"hour": 11, "minute": 35}
